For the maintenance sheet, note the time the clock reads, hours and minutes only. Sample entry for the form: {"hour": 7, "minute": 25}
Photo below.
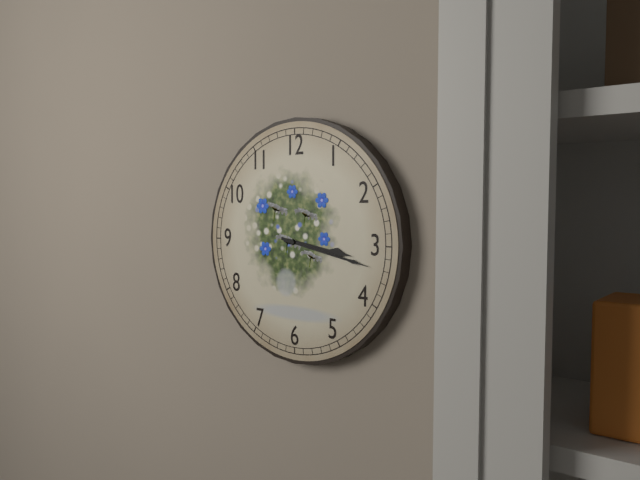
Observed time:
{"hour": 3, "minute": 17}
